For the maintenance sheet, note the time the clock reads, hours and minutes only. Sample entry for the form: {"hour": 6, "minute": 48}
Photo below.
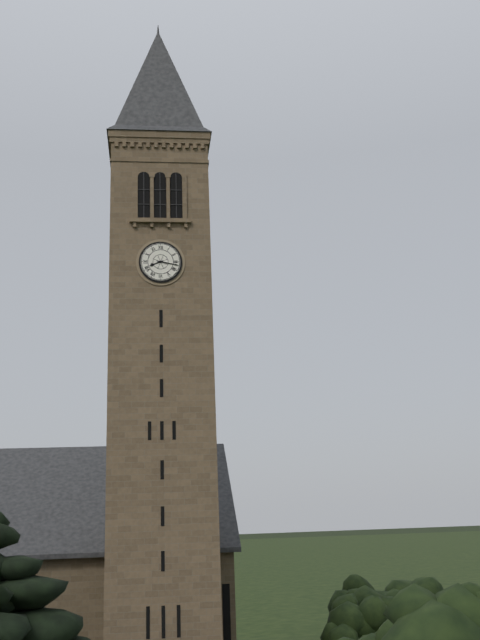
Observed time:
{"hour": 8, "minute": 17}
